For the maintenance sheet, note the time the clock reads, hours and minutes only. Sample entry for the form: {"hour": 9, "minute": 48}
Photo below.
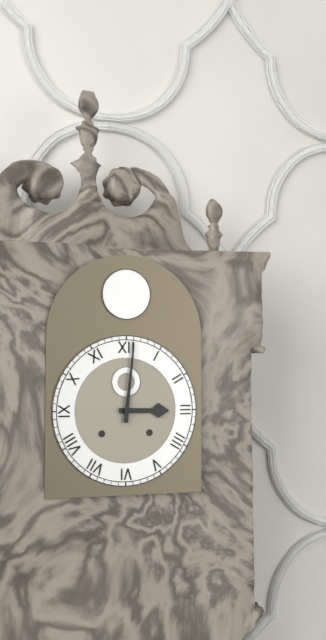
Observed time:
{"hour": 3, "minute": 1}
